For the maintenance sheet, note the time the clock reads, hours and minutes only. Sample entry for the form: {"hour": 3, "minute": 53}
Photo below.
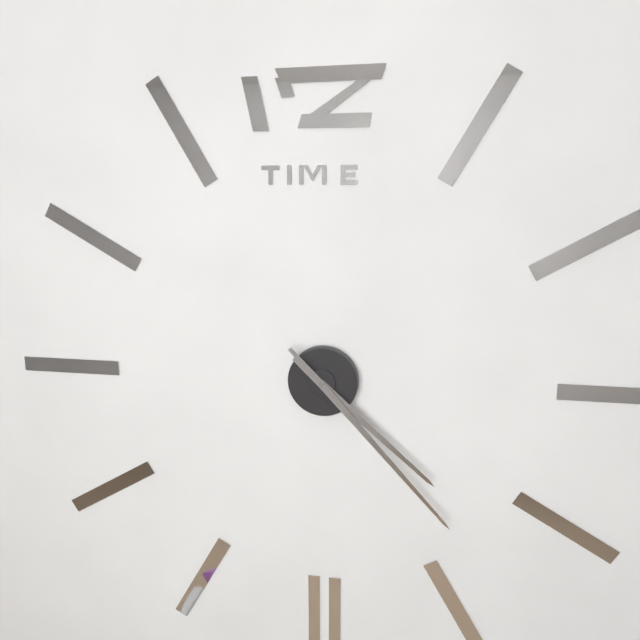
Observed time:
{"hour": 4, "minute": 23}
